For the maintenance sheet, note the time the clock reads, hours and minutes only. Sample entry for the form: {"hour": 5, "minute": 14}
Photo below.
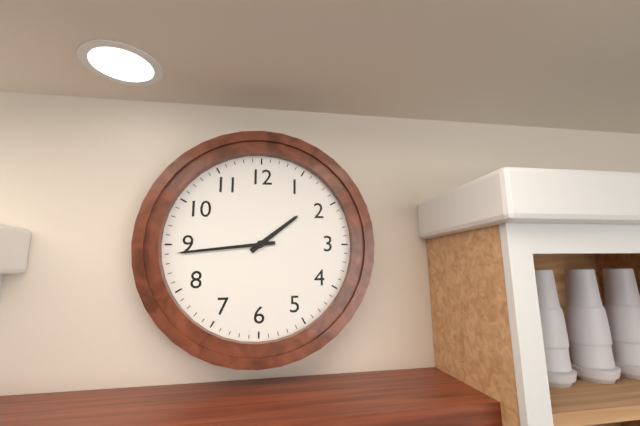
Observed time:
{"hour": 1, "minute": 44}
